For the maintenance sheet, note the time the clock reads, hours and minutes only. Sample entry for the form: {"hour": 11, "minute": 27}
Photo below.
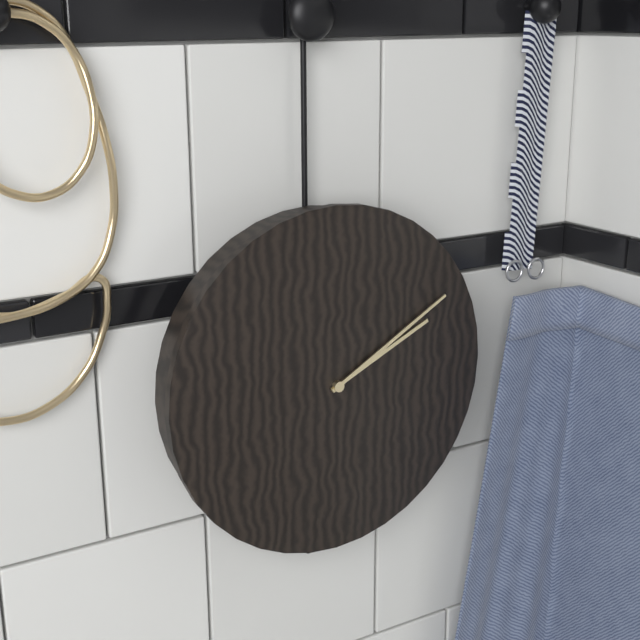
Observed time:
{"hour": 2, "minute": 10}
